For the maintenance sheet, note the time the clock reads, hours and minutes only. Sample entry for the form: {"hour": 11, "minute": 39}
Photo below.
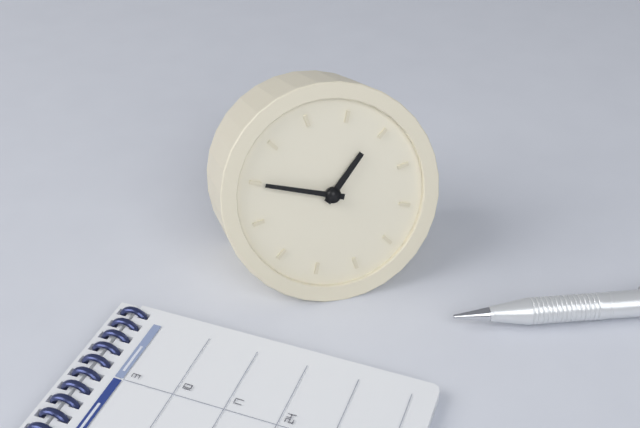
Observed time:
{"hour": 1, "minute": 50}
